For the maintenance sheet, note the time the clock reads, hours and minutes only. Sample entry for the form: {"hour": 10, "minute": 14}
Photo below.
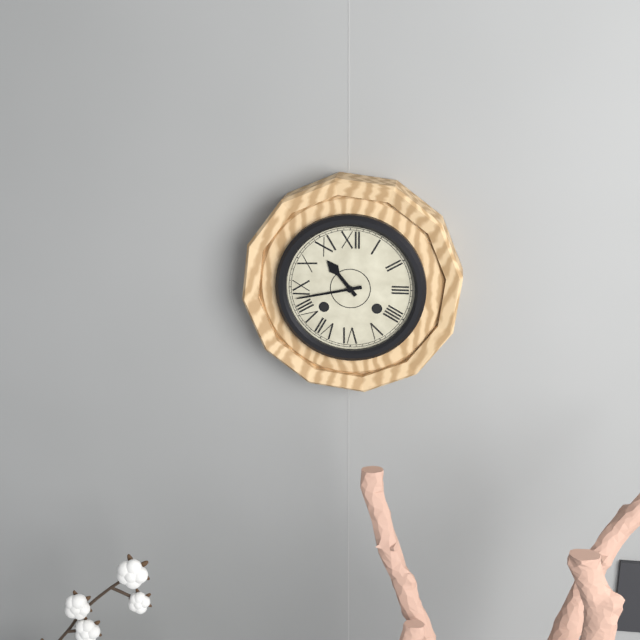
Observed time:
{"hour": 10, "minute": 43}
